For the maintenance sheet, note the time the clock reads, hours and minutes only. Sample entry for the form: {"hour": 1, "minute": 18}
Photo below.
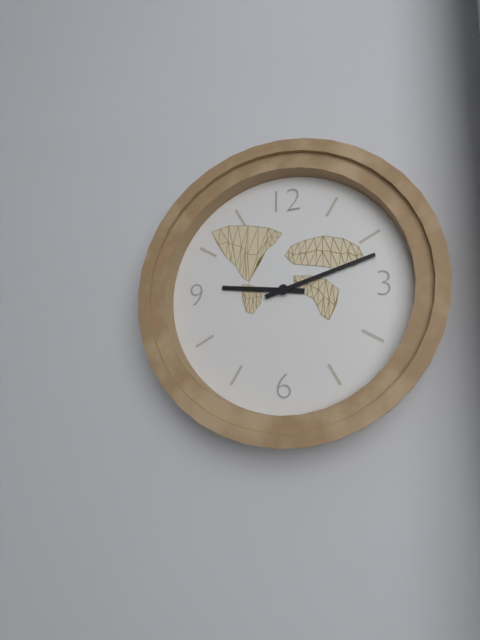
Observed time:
{"hour": 9, "minute": 12}
